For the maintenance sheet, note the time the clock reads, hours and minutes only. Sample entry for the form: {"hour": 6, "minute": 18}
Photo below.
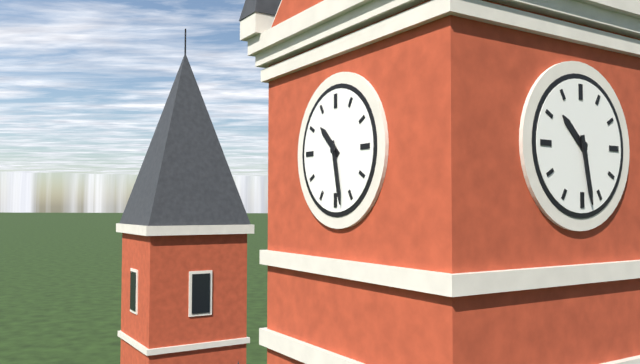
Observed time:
{"hour": 10, "minute": 28}
